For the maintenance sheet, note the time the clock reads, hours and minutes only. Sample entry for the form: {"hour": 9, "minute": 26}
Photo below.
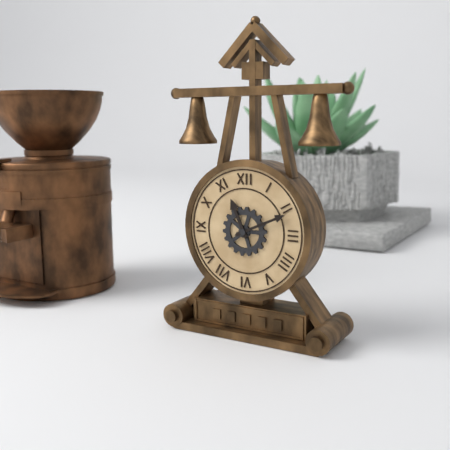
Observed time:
{"hour": 11, "minute": 11}
